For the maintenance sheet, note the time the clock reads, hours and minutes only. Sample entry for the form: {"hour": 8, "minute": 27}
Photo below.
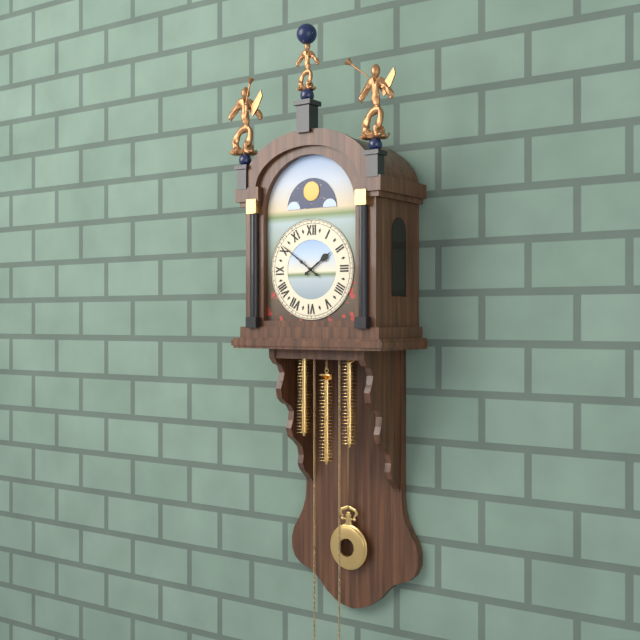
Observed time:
{"hour": 1, "minute": 51}
